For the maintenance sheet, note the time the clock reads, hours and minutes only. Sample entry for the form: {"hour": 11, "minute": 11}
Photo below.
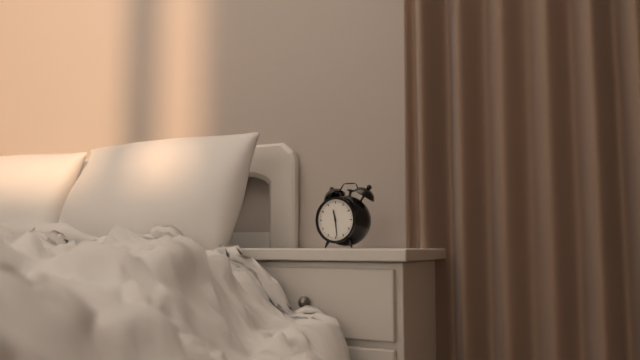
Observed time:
{"hour": 11, "minute": 29}
